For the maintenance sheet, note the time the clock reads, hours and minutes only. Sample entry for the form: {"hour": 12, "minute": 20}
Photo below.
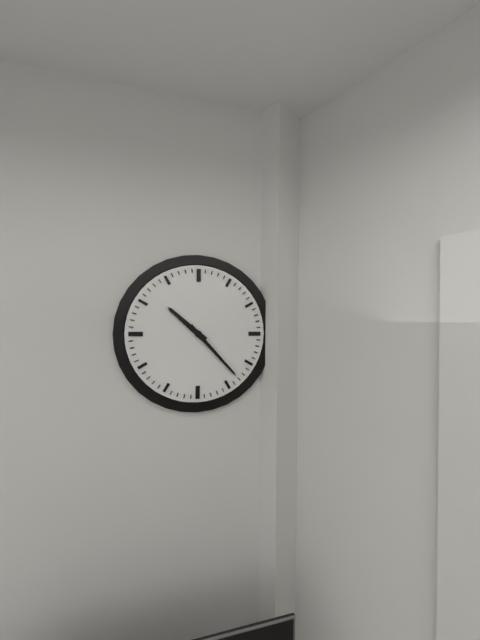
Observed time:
{"hour": 10, "minute": 23}
